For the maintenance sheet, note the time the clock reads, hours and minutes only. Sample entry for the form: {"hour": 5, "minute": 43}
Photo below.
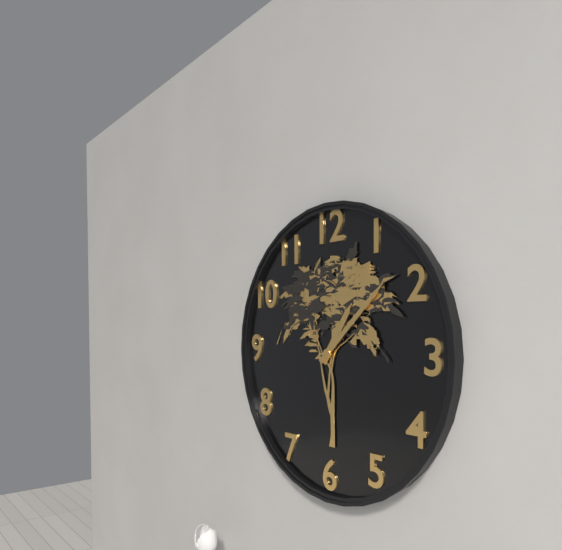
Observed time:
{"hour": 1, "minute": 8}
